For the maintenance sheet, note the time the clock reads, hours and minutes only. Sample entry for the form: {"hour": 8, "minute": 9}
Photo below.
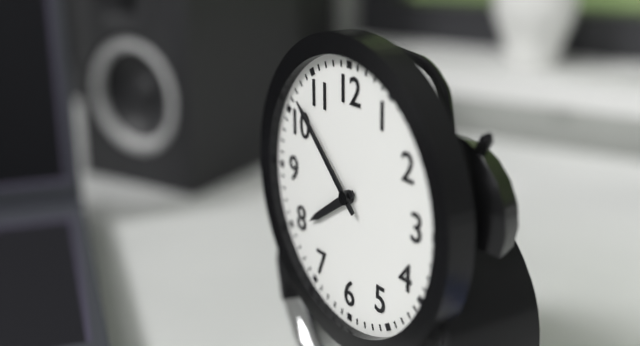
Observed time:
{"hour": 7, "minute": 52}
